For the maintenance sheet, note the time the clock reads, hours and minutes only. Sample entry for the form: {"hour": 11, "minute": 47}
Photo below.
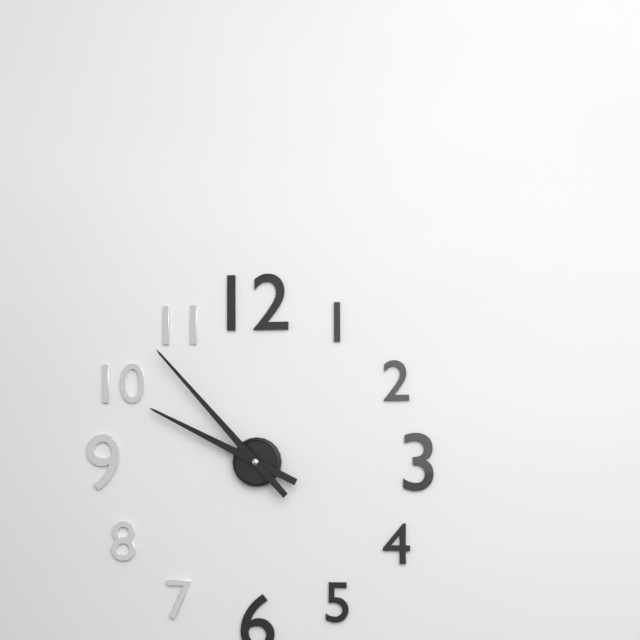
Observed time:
{"hour": 9, "minute": 53}
